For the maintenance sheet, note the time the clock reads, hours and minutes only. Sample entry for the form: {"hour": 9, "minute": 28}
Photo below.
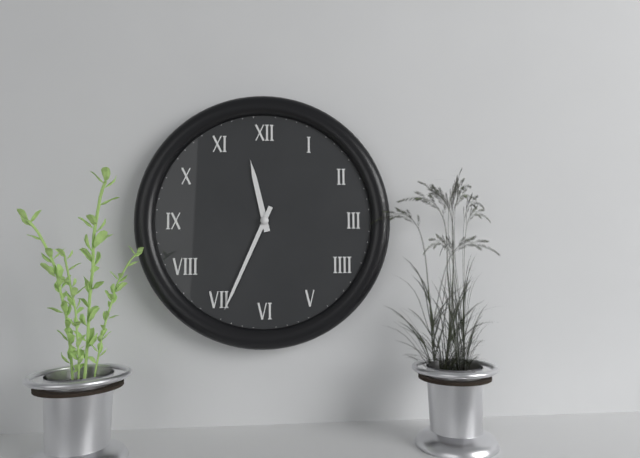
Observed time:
{"hour": 11, "minute": 34}
